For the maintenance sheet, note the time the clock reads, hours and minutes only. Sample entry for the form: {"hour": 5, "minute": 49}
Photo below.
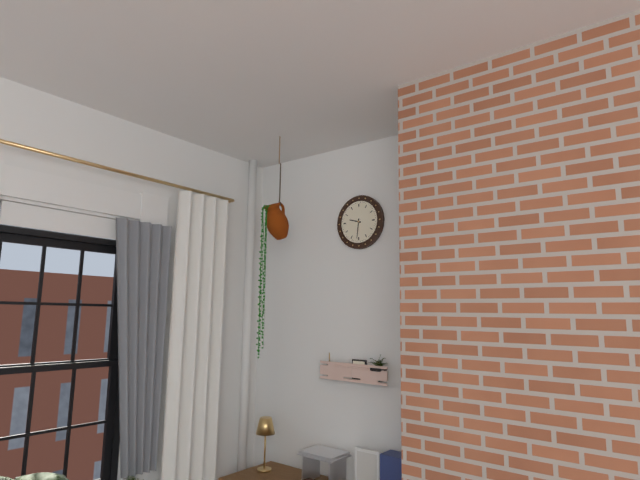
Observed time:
{"hour": 9, "minute": 31}
